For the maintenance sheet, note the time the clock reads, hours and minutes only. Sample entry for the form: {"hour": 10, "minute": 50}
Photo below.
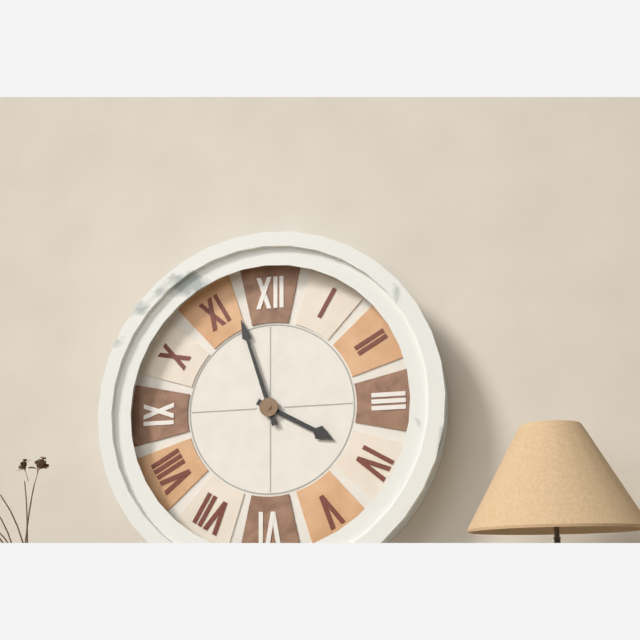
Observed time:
{"hour": 3, "minute": 57}
